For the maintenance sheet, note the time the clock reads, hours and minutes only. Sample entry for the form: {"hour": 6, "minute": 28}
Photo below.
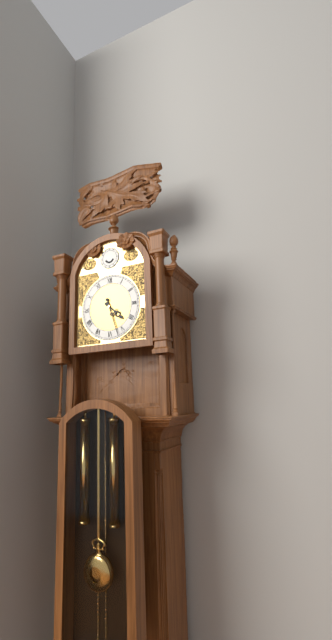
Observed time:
{"hour": 4, "minute": 27}
